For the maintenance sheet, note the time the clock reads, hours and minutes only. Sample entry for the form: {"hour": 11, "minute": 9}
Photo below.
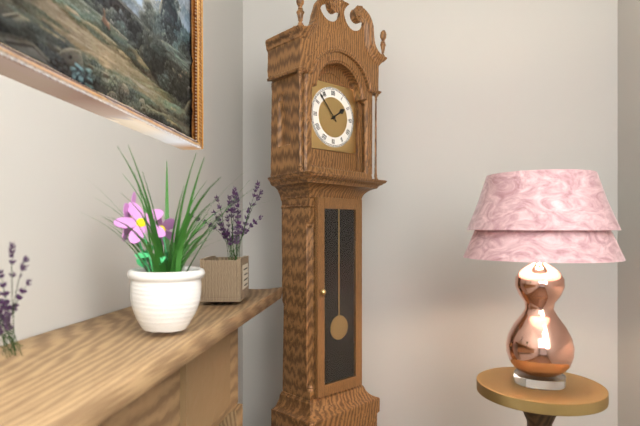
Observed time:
{"hour": 1, "minute": 53}
